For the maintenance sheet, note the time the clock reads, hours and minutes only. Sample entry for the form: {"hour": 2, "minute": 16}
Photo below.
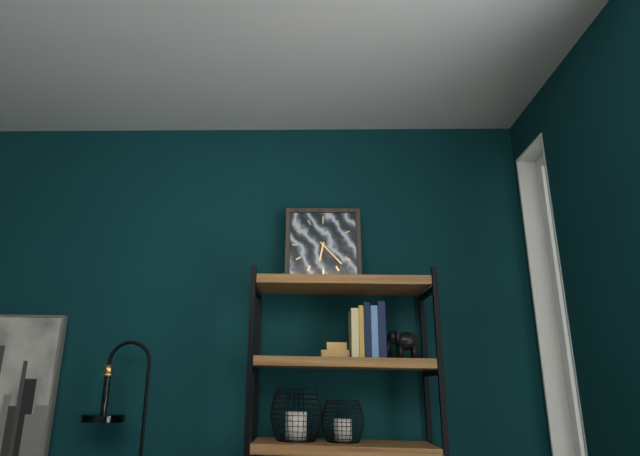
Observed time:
{"hour": 6, "minute": 23}
